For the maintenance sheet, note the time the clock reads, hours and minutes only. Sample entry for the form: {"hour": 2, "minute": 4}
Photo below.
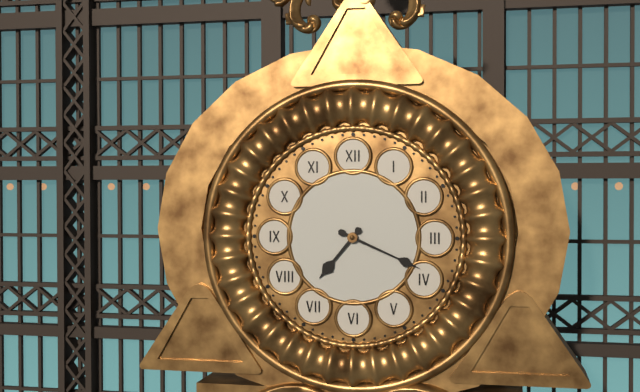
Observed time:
{"hour": 7, "minute": 19}
